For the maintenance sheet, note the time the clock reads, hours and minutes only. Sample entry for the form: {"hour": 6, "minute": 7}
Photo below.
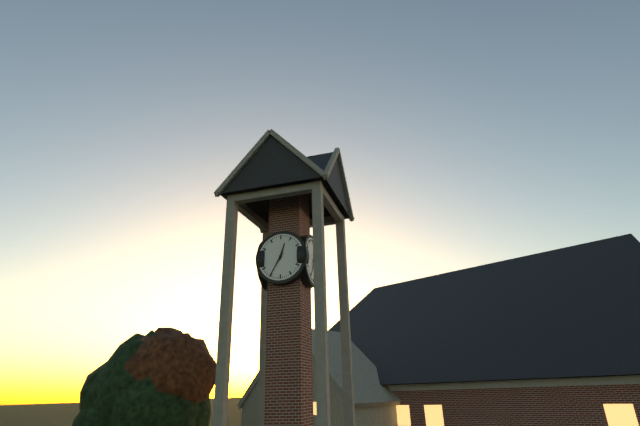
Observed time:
{"hour": 12, "minute": 35}
